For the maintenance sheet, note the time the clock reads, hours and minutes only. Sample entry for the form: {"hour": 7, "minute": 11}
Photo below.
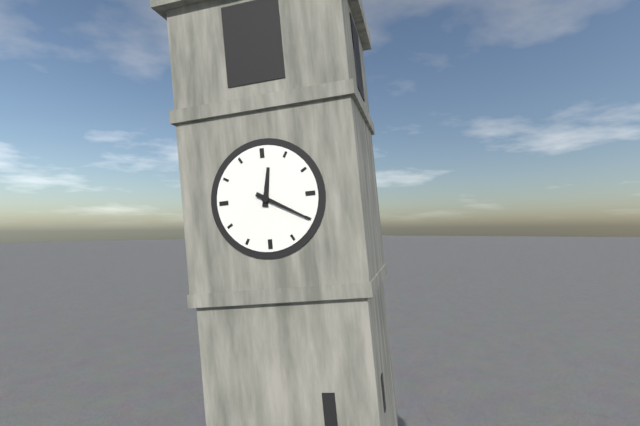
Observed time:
{"hour": 12, "minute": 20}
